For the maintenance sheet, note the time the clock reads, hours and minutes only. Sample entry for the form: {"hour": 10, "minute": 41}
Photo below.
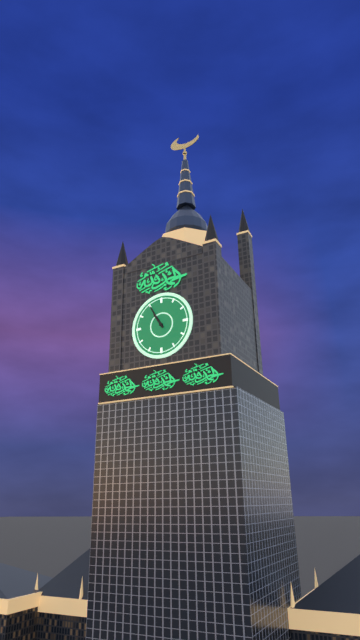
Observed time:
{"hour": 10, "minute": 55}
